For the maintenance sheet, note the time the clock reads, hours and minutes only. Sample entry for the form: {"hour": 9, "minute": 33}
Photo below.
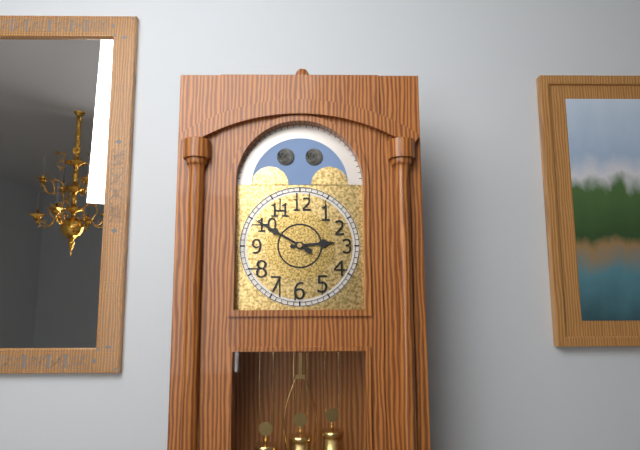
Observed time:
{"hour": 2, "minute": 50}
